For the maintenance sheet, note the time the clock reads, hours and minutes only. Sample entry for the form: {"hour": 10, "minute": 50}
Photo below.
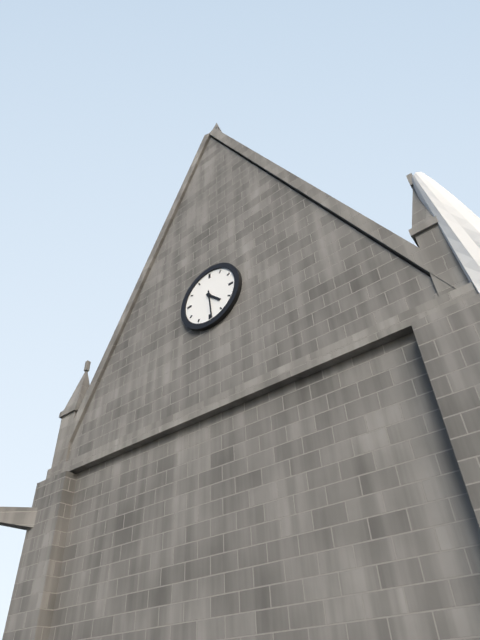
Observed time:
{"hour": 4, "minute": 29}
